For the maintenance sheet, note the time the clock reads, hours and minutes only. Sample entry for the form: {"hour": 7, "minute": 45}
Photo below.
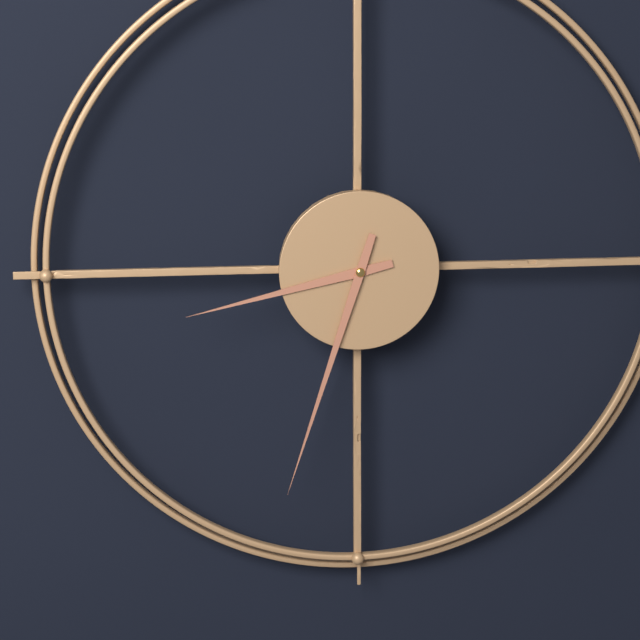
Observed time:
{"hour": 8, "minute": 33}
